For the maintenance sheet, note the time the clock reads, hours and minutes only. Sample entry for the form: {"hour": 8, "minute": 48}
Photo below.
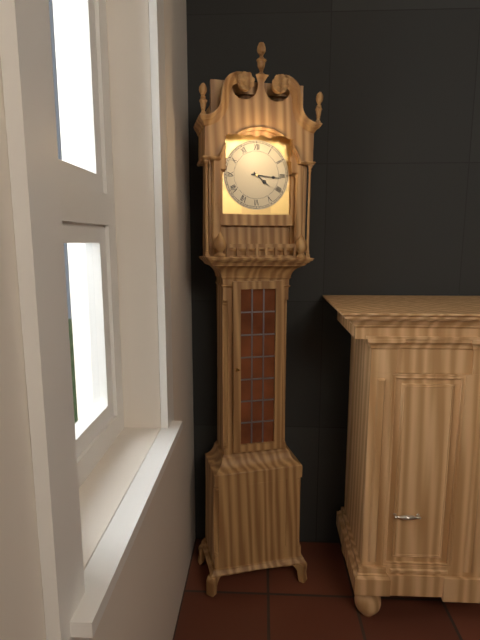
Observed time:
{"hour": 4, "minute": 16}
